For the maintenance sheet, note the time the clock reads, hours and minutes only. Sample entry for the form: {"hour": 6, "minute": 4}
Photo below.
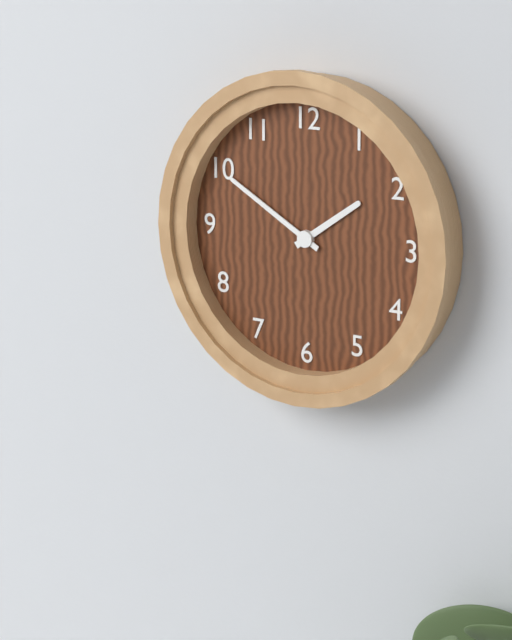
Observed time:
{"hour": 1, "minute": 50}
